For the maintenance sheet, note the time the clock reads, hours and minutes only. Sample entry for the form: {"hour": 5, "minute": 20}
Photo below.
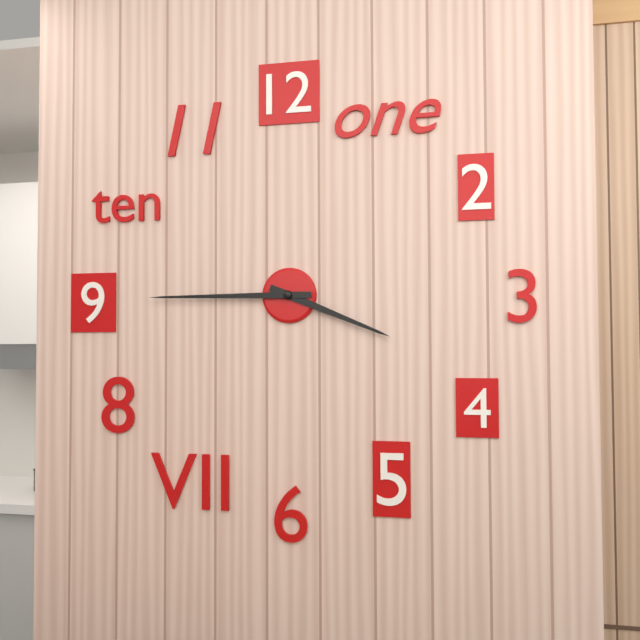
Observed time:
{"hour": 3, "minute": 45}
